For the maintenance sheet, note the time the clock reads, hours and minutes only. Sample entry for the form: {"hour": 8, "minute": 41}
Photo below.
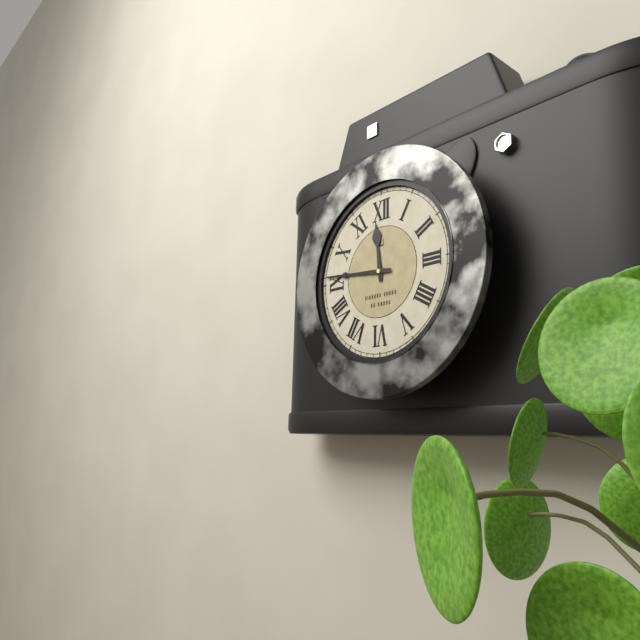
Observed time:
{"hour": 11, "minute": 46}
